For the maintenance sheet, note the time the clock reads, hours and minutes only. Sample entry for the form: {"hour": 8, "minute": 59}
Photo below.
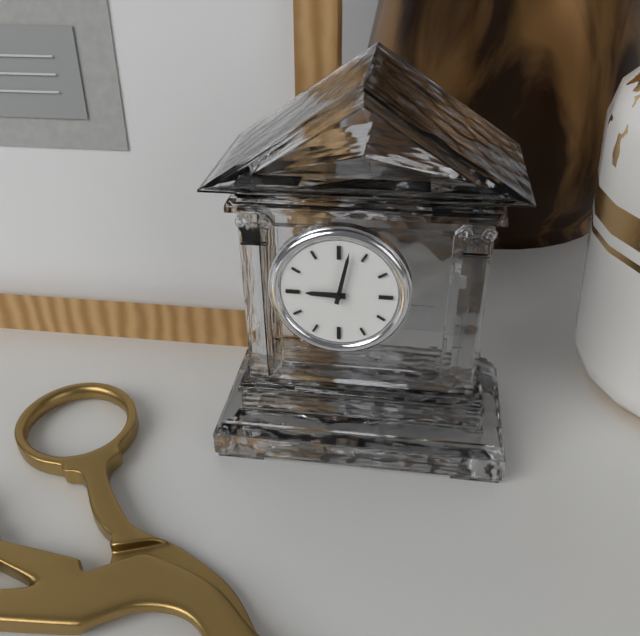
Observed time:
{"hour": 9, "minute": 2}
